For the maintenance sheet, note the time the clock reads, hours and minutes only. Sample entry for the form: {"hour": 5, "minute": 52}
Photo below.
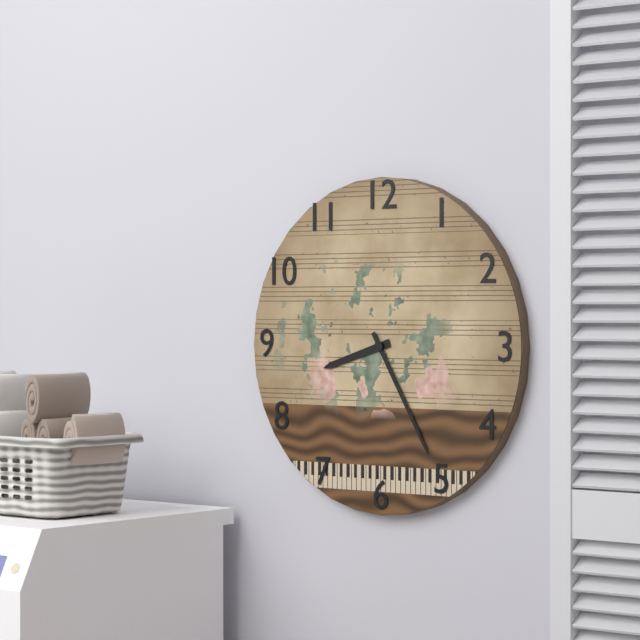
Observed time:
{"hour": 8, "minute": 25}
